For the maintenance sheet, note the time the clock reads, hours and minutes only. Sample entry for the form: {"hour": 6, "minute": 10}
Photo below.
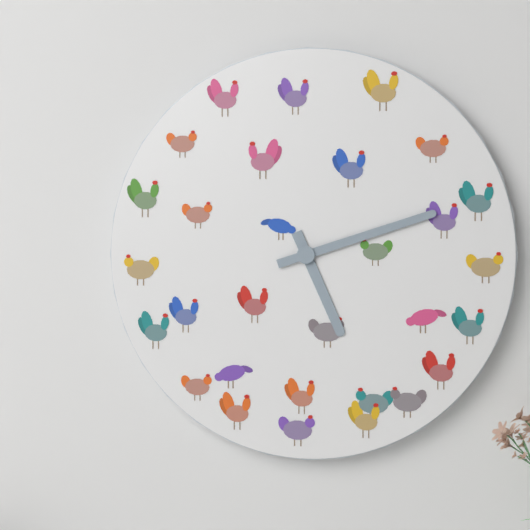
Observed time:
{"hour": 5, "minute": 12}
